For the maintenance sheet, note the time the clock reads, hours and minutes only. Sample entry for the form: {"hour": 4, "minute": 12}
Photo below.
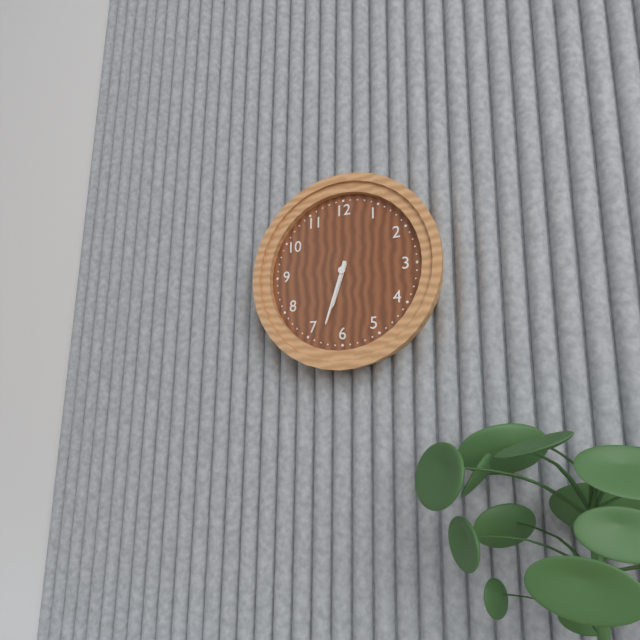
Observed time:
{"hour": 6, "minute": 33}
